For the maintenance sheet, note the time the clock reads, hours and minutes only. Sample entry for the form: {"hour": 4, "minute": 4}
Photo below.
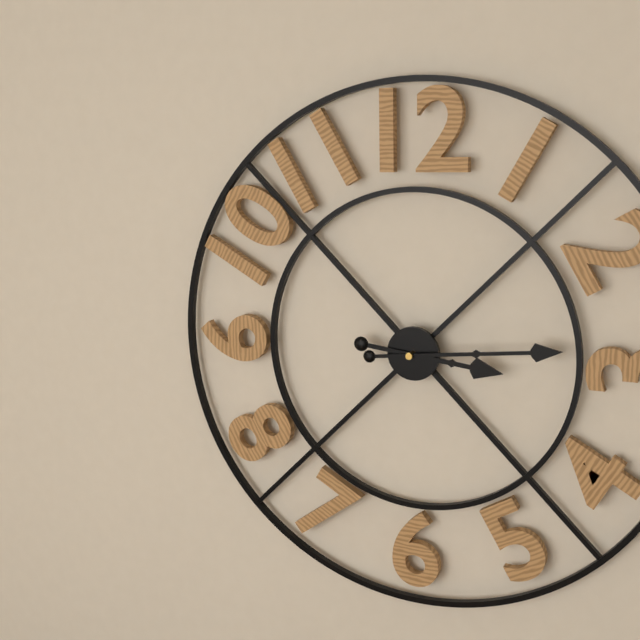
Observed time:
{"hour": 3, "minute": 14}
